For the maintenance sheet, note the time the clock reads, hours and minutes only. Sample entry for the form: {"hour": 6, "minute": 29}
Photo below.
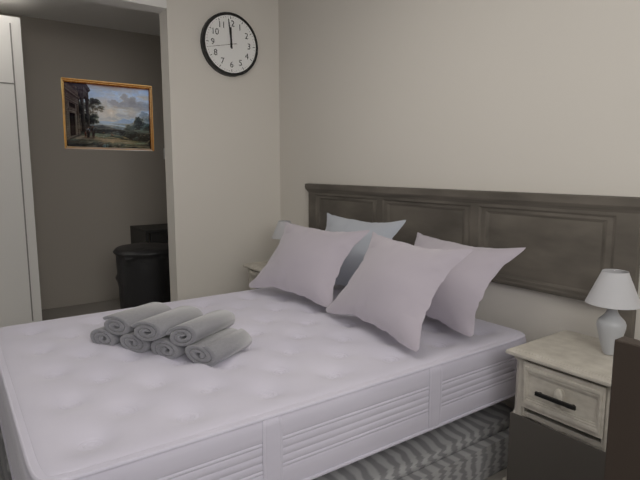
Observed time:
{"hour": 11, "minute": 59}
